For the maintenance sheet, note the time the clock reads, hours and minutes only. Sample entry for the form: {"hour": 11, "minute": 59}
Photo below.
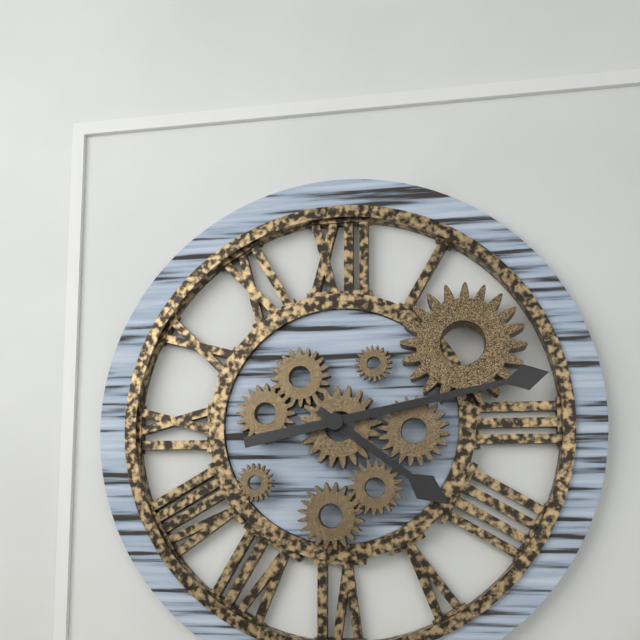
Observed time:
{"hour": 4, "minute": 13}
